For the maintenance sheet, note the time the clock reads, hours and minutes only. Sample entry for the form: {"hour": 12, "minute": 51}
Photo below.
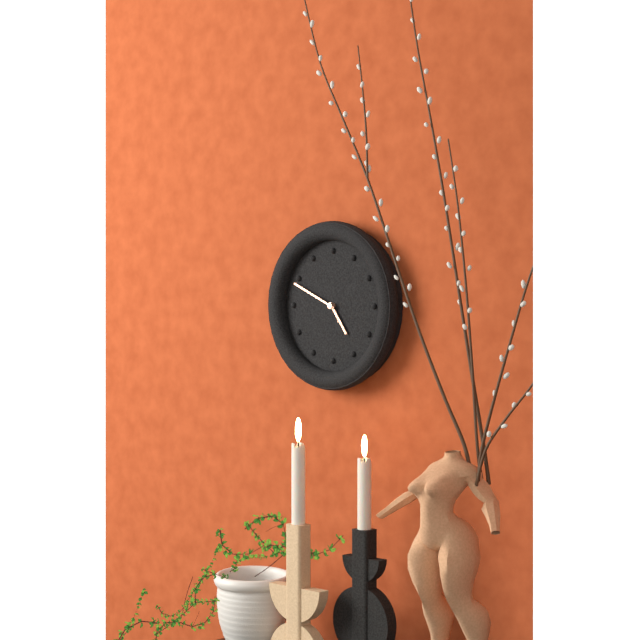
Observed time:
{"hour": 4, "minute": 49}
